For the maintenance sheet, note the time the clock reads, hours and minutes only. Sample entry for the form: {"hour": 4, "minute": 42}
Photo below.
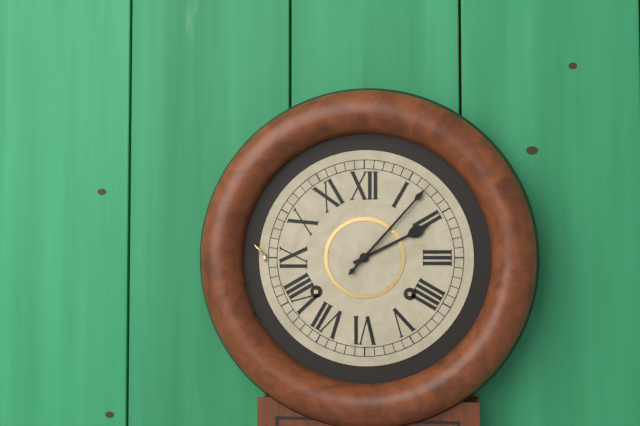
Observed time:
{"hour": 2, "minute": 7}
